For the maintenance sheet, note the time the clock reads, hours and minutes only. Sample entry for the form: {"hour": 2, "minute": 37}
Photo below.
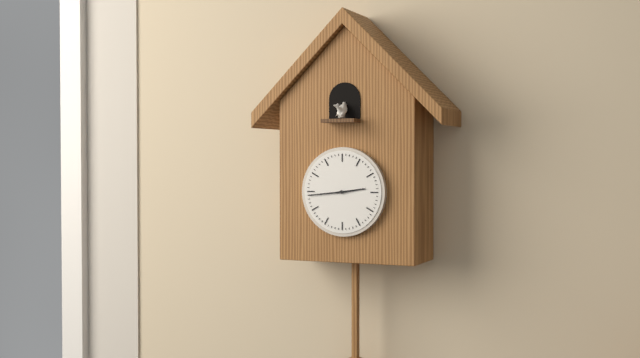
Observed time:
{"hour": 2, "minute": 44}
